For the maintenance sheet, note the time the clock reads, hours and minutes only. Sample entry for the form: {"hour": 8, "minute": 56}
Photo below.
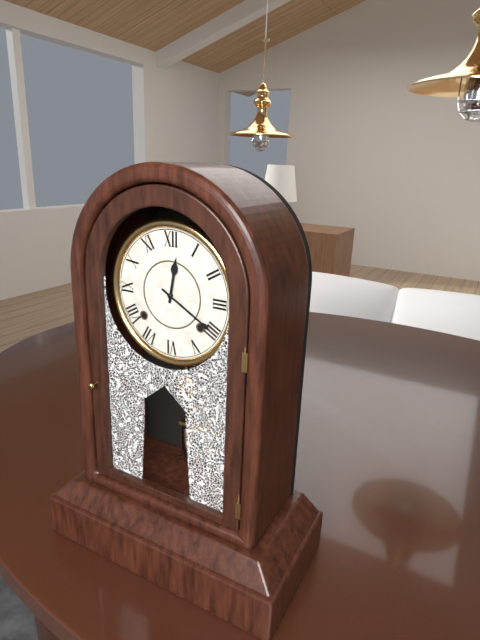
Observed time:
{"hour": 12, "minute": 20}
